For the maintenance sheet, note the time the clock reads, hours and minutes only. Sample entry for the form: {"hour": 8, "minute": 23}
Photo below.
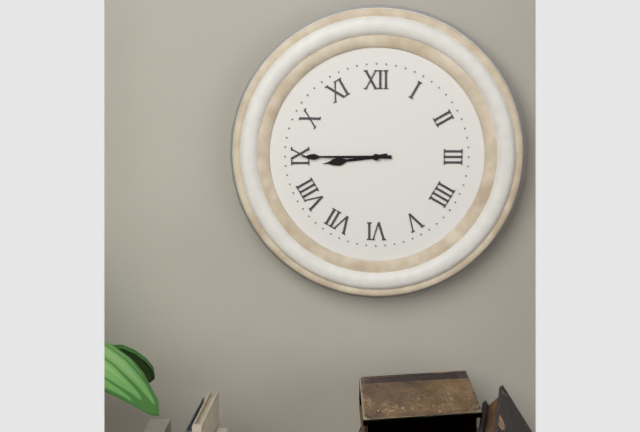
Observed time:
{"hour": 8, "minute": 45}
